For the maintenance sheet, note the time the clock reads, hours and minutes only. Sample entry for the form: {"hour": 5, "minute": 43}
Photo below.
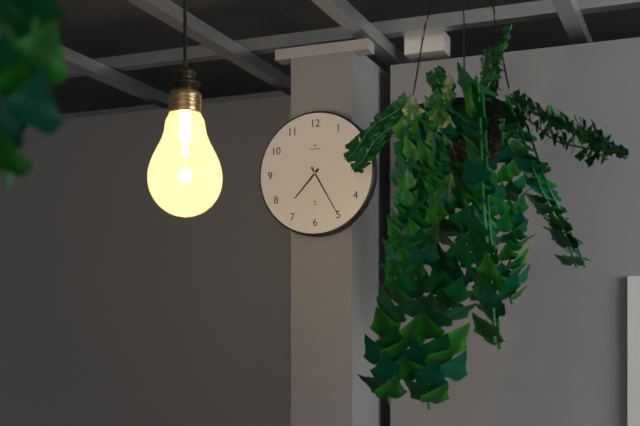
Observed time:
{"hour": 7, "minute": 25}
